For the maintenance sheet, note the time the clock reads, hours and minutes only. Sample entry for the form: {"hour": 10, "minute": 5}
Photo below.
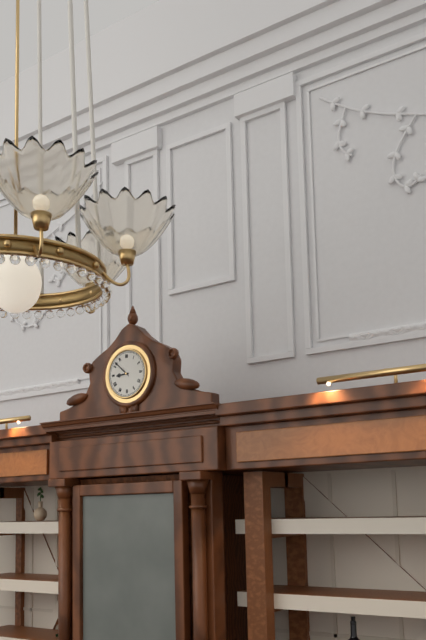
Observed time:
{"hour": 8, "minute": 52}
